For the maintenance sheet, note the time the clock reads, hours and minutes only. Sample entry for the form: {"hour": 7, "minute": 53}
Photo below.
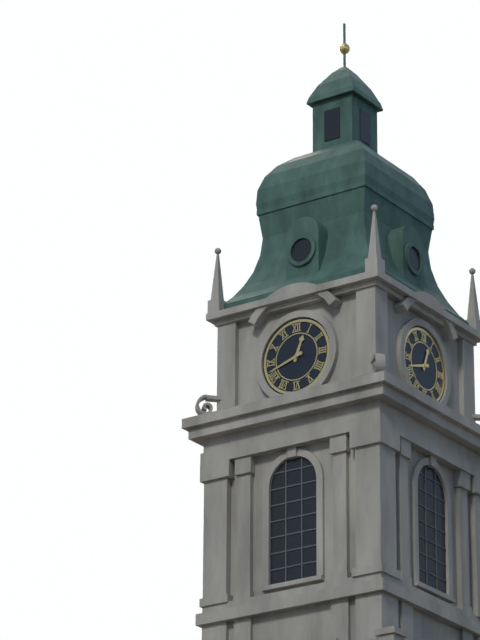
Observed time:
{"hour": 12, "minute": 42}
